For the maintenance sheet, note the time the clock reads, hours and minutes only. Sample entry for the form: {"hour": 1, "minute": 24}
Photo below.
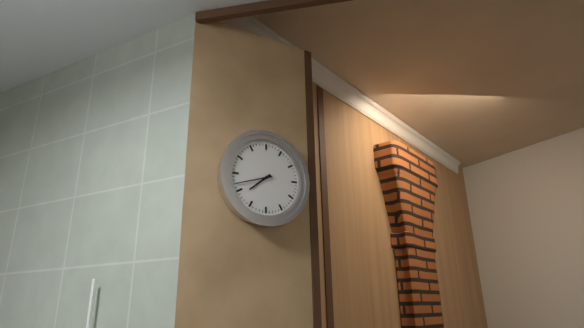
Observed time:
{"hour": 7, "minute": 42}
